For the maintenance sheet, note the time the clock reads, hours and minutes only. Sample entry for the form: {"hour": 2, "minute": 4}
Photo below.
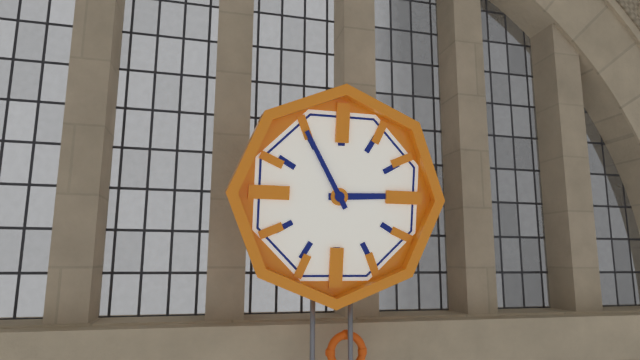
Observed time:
{"hour": 2, "minute": 55}
